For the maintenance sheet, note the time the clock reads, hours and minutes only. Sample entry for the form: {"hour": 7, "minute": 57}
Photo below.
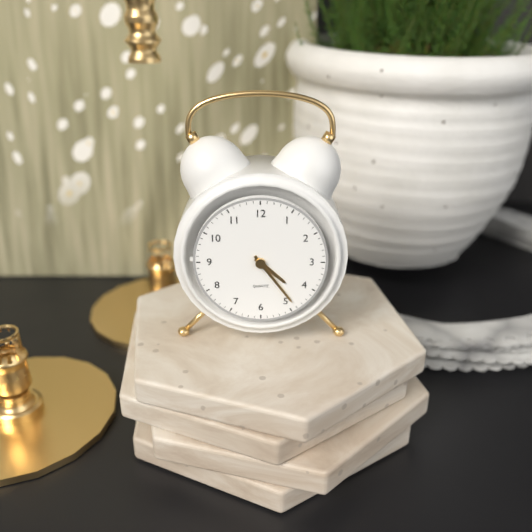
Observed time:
{"hour": 4, "minute": 24}
